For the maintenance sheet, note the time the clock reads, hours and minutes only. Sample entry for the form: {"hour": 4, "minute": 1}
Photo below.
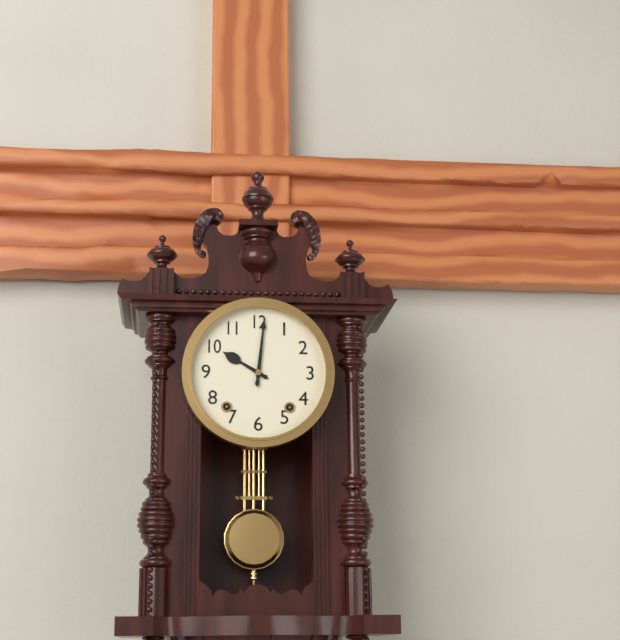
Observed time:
{"hour": 10, "minute": 1}
